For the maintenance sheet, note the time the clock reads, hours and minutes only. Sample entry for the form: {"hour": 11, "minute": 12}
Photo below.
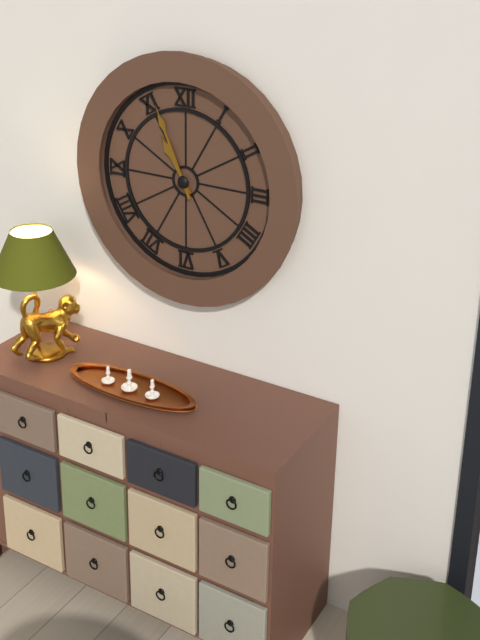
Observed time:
{"hour": 10, "minute": 56}
